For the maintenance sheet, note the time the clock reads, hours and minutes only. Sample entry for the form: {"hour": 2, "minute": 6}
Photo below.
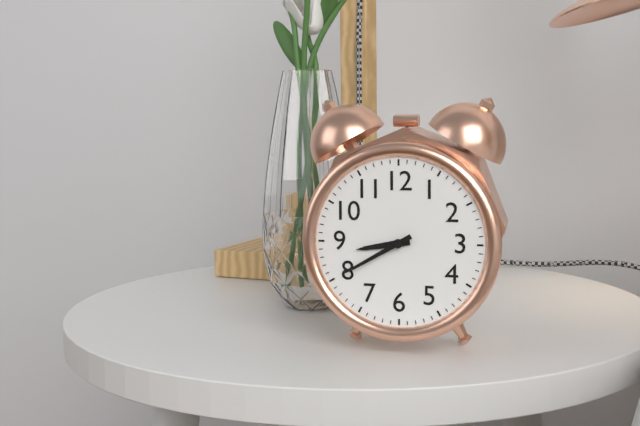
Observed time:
{"hour": 8, "minute": 40}
